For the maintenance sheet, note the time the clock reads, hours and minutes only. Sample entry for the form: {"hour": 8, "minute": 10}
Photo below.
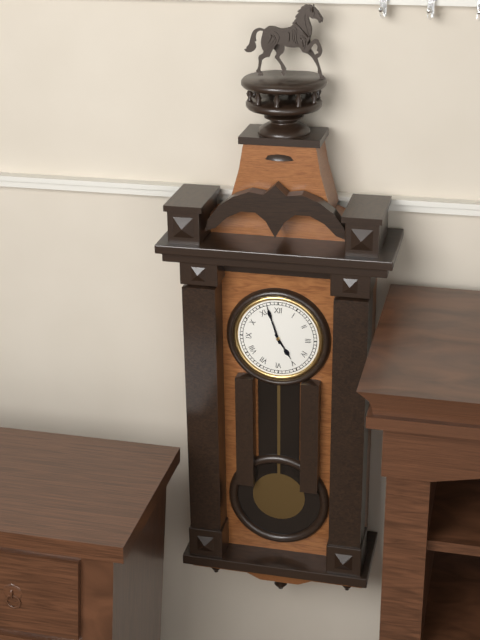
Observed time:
{"hour": 4, "minute": 57}
